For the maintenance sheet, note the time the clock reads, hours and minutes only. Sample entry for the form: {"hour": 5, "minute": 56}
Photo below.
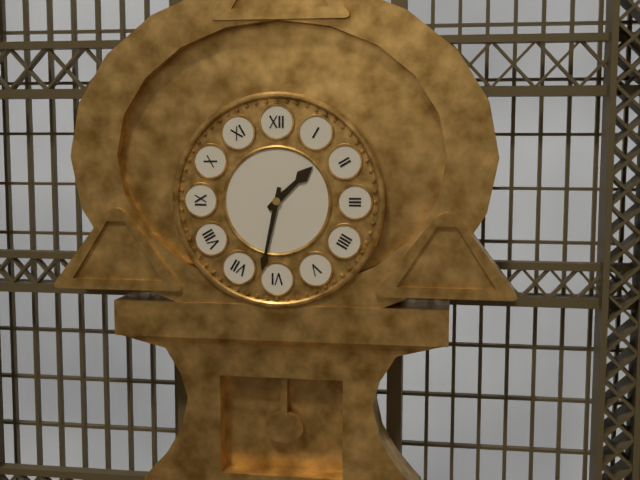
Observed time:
{"hour": 1, "minute": 32}
